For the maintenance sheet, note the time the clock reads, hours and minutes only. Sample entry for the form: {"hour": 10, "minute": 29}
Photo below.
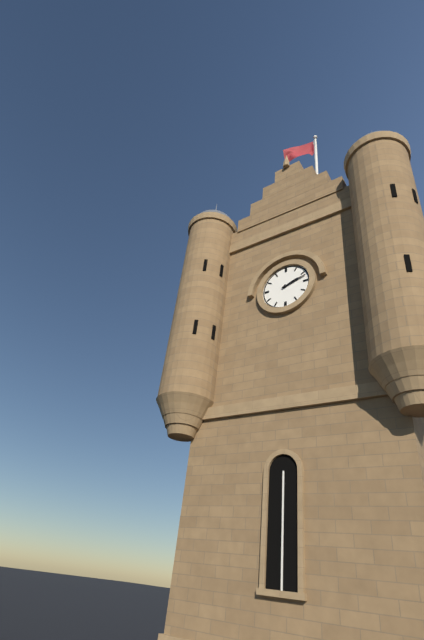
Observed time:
{"hour": 2, "minute": 12}
